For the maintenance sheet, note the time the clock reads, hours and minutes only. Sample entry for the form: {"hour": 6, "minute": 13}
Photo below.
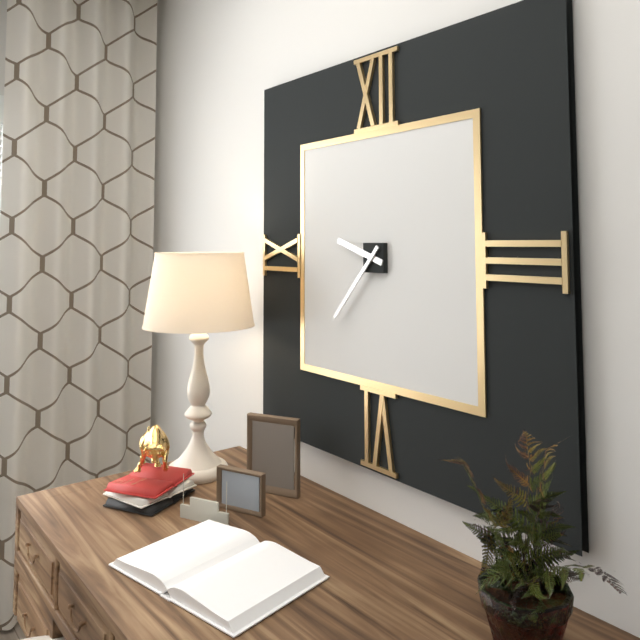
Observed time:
{"hour": 9, "minute": 37}
